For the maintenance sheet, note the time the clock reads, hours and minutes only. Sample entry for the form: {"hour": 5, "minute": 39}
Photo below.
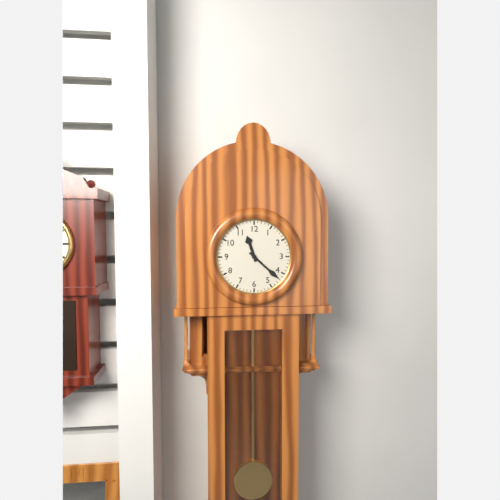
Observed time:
{"hour": 11, "minute": 22}
